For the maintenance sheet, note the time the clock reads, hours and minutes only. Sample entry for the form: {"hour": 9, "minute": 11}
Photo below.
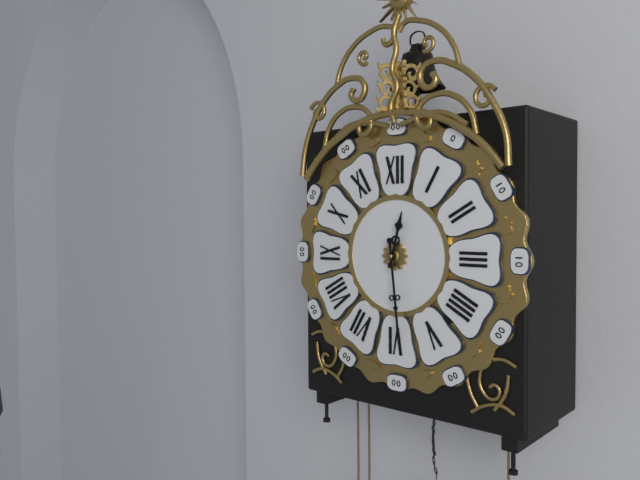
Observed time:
{"hour": 12, "minute": 29}
